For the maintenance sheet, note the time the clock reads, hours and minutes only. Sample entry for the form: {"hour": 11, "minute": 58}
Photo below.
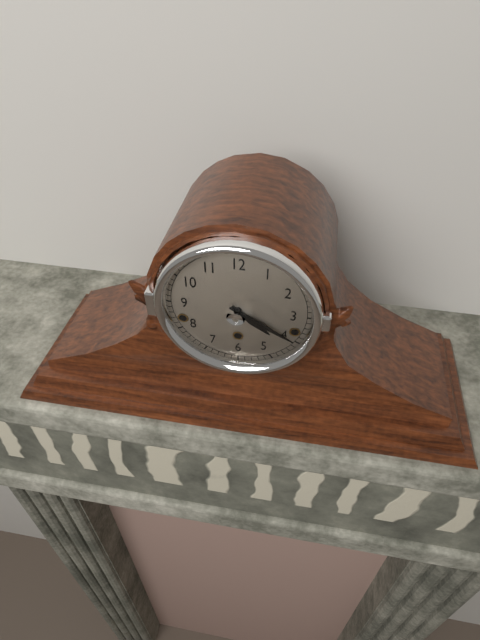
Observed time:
{"hour": 4, "minute": 20}
